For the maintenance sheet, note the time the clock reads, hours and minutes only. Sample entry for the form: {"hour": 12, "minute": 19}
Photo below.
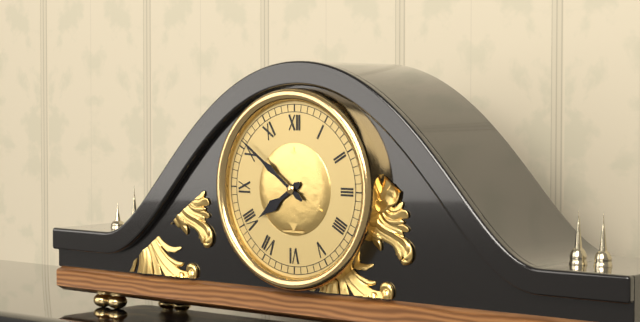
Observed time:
{"hour": 7, "minute": 51}
